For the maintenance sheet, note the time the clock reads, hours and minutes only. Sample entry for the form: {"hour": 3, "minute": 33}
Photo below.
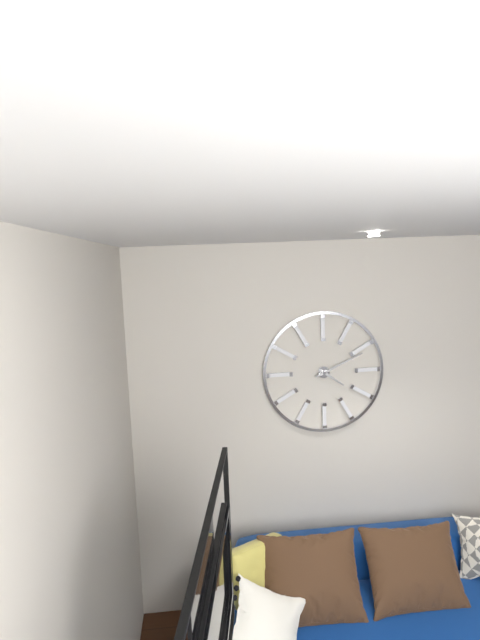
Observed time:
{"hour": 4, "minute": 11}
